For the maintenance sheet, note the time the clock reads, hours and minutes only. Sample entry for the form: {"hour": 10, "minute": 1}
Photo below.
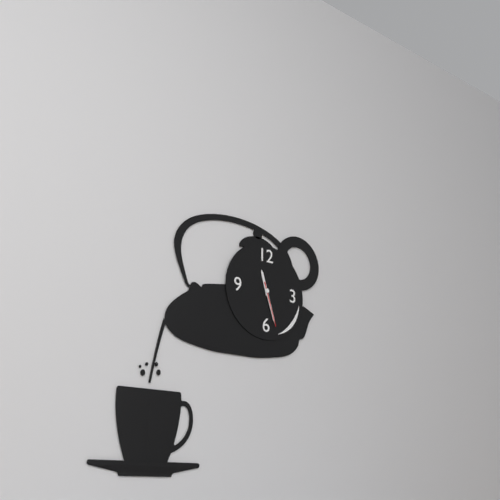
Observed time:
{"hour": 11, "minute": 27}
